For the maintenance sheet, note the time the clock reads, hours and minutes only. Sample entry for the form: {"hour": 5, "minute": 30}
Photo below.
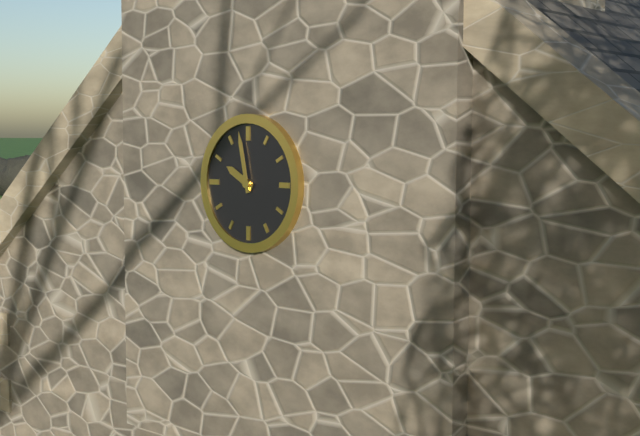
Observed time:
{"hour": 9, "minute": 58}
